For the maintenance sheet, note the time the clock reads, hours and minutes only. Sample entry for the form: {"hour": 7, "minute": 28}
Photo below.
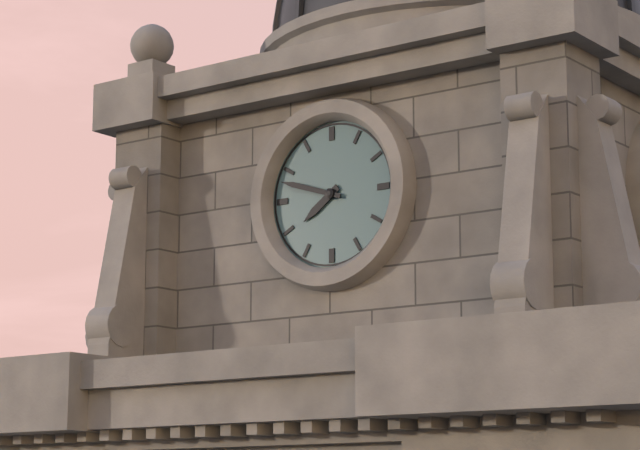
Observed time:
{"hour": 7, "minute": 48}
